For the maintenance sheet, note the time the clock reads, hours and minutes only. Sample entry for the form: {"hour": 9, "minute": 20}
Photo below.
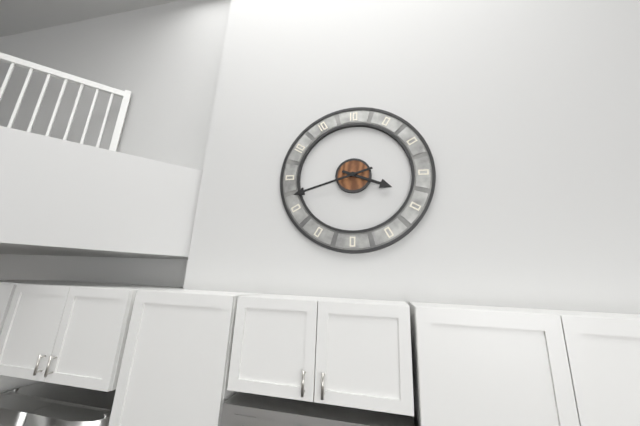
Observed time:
{"hour": 3, "minute": 42}
